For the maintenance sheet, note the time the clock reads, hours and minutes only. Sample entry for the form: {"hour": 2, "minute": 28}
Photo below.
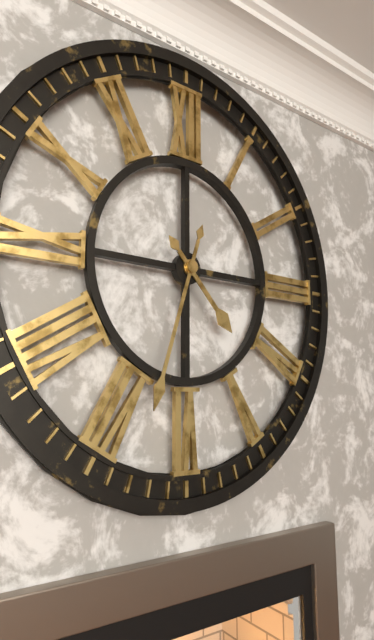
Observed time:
{"hour": 4, "minute": 33}
